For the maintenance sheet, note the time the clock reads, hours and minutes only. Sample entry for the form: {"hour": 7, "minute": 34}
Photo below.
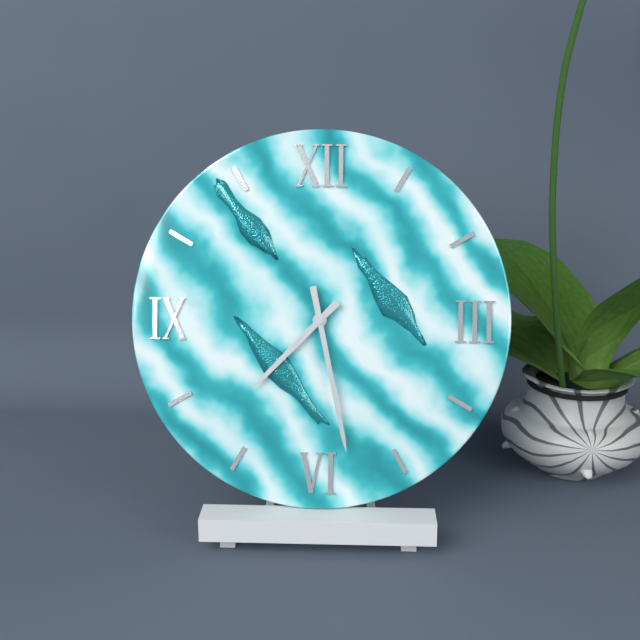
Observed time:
{"hour": 7, "minute": 28}
